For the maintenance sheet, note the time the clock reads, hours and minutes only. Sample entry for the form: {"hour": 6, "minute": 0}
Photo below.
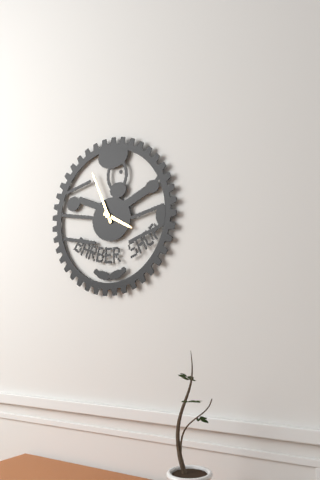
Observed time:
{"hour": 3, "minute": 56}
